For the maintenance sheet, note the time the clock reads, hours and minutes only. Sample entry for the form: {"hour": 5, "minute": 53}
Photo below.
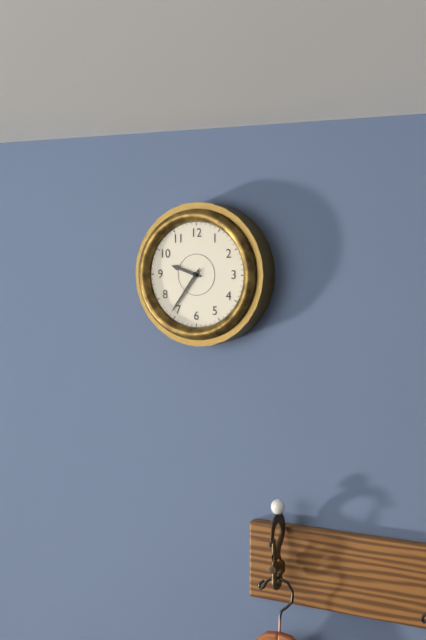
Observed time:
{"hour": 9, "minute": 36}
